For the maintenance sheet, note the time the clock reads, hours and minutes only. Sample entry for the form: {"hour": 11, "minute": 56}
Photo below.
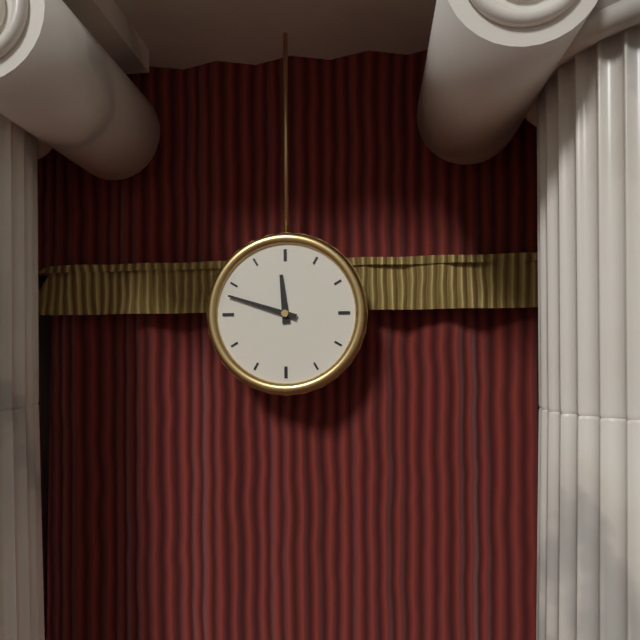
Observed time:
{"hour": 11, "minute": 48}
